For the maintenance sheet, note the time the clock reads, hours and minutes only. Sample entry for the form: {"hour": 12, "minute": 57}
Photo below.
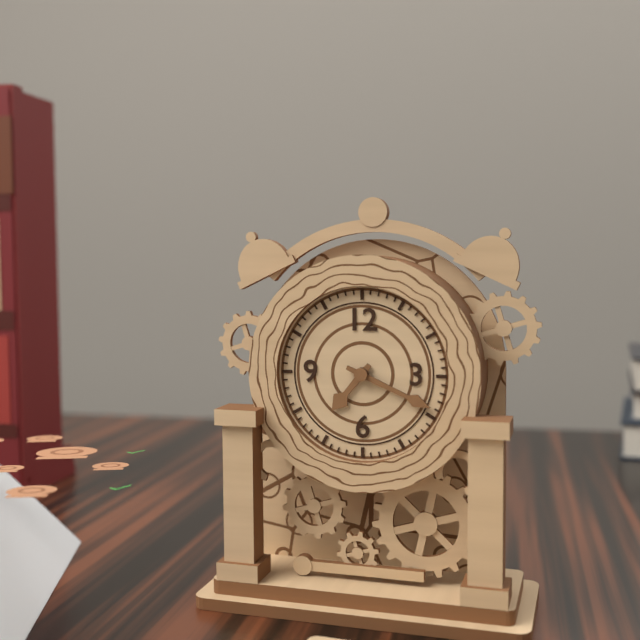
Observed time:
{"hour": 7, "minute": 19}
